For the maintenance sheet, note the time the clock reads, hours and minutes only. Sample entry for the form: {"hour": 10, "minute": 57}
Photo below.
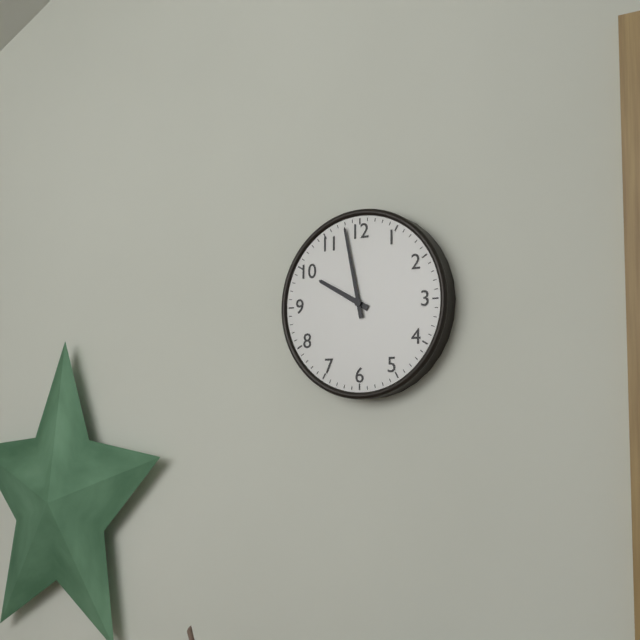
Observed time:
{"hour": 9, "minute": 58}
